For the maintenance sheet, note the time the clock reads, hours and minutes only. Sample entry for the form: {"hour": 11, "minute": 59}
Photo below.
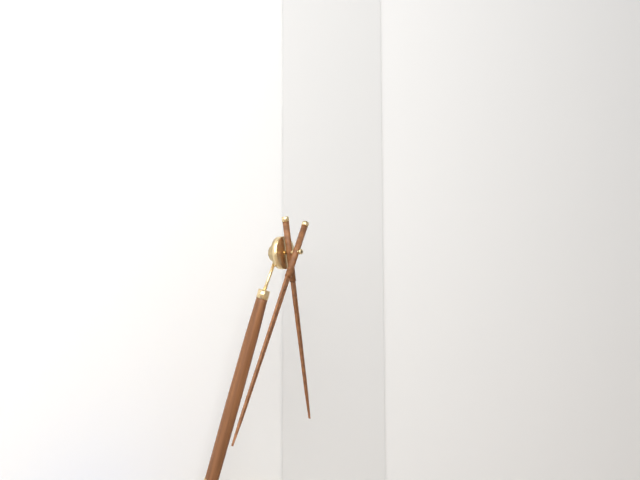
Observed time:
{"hour": 5, "minute": 35}
